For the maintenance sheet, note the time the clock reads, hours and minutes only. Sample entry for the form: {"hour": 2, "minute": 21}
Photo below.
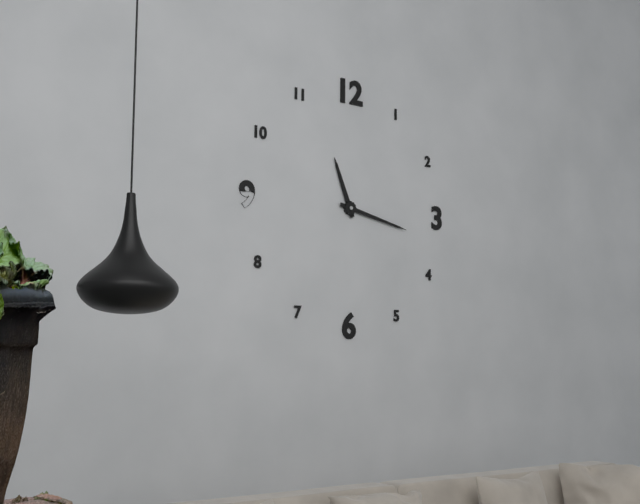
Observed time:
{"hour": 11, "minute": 17}
